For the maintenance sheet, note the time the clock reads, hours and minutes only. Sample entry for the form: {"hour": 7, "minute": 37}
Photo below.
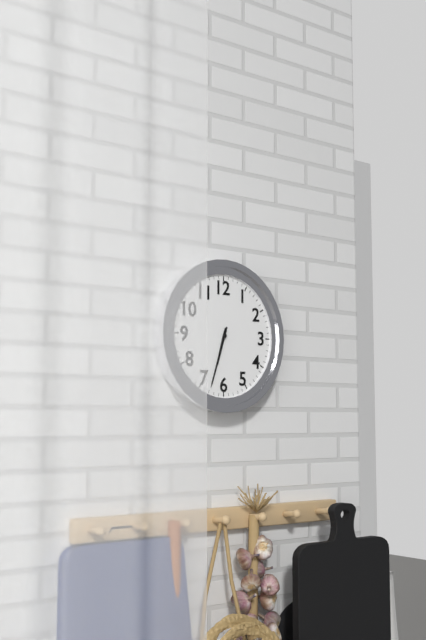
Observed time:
{"hour": 6, "minute": 33}
